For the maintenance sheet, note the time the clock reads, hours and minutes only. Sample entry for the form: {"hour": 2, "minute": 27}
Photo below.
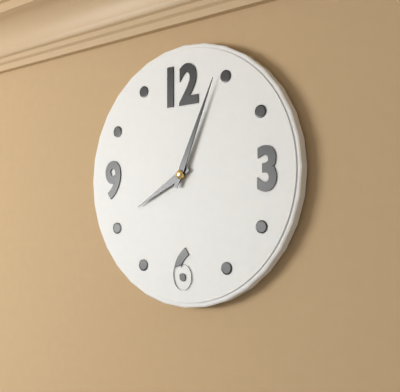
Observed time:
{"hour": 8, "minute": 4}
